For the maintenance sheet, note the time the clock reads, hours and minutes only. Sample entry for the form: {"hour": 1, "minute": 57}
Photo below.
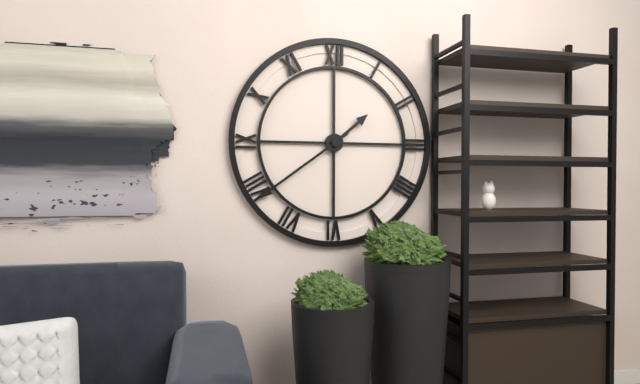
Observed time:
{"hour": 1, "minute": 39}
